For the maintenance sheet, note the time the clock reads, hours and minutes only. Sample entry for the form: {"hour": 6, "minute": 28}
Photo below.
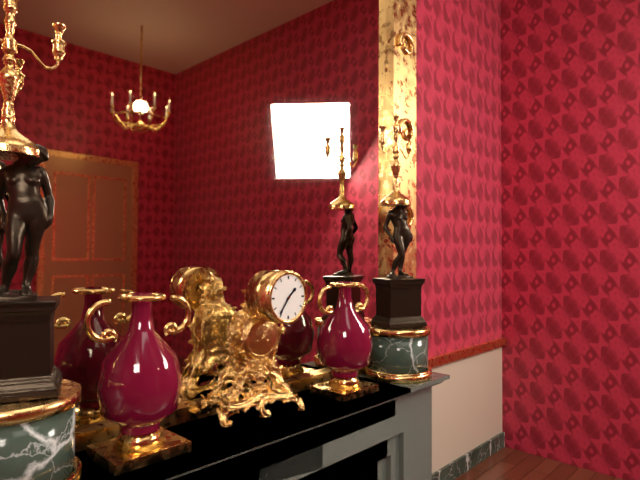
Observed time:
{"hour": 1, "minute": 36}
